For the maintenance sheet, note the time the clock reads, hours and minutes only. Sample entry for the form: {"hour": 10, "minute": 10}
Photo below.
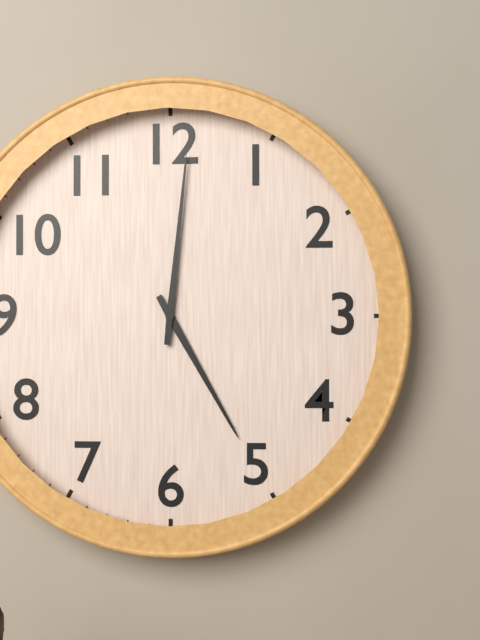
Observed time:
{"hour": 5, "minute": 1}
